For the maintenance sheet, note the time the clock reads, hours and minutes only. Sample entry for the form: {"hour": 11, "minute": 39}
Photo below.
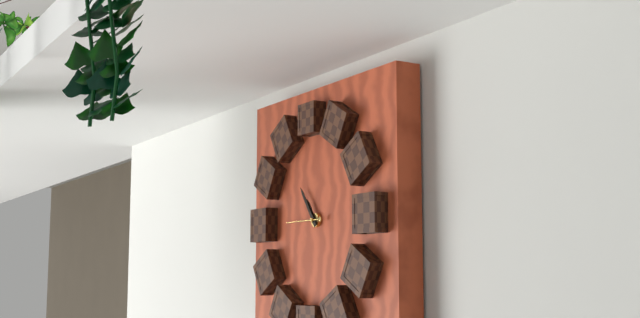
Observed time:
{"hour": 10, "minute": 54}
